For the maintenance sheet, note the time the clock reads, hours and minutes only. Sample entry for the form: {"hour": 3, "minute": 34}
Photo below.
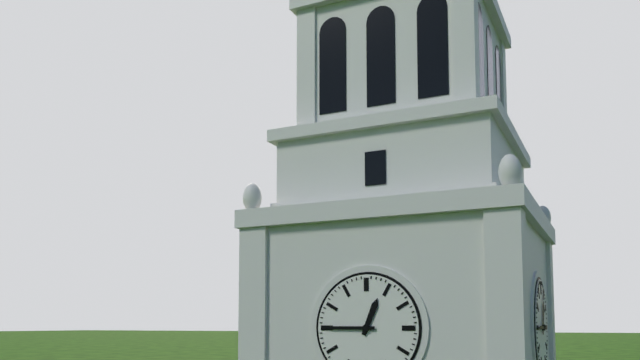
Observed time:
{"hour": 12, "minute": 45}
